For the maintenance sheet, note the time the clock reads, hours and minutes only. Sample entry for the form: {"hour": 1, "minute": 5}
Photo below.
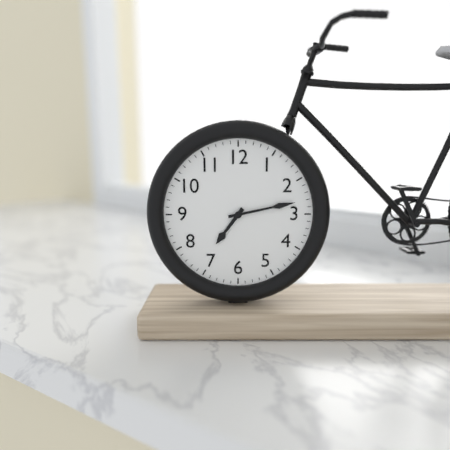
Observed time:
{"hour": 7, "minute": 13}
